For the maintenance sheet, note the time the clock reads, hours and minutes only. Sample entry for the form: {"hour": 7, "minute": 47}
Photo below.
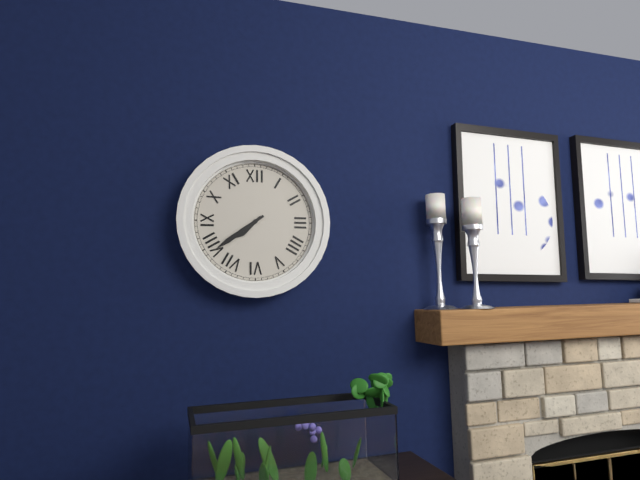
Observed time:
{"hour": 7, "minute": 39}
